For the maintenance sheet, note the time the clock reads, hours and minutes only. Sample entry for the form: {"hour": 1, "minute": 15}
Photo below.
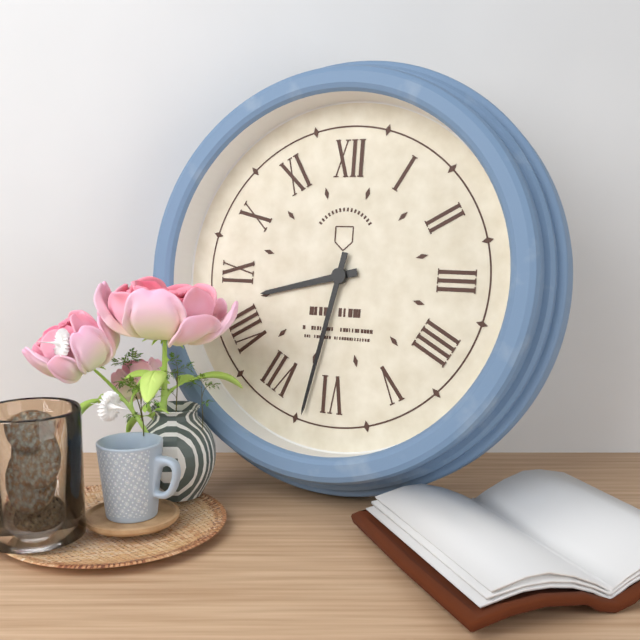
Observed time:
{"hour": 8, "minute": 32}
